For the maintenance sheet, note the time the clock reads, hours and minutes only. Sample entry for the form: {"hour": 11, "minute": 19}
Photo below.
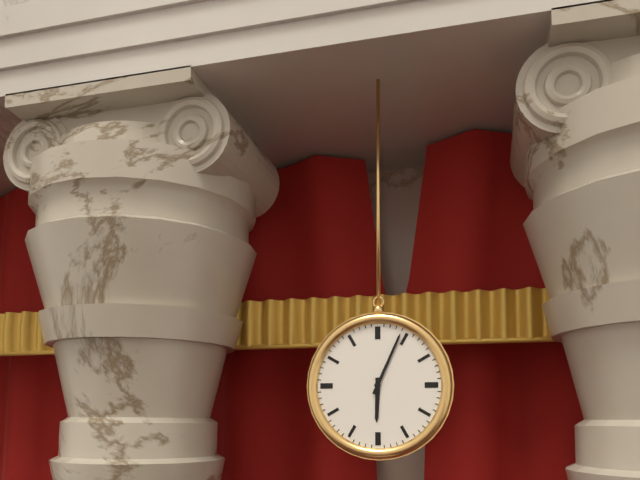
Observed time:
{"hour": 6, "minute": 4}
